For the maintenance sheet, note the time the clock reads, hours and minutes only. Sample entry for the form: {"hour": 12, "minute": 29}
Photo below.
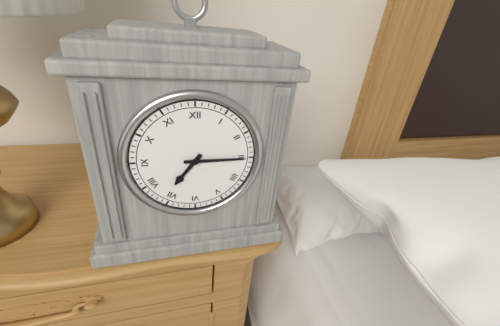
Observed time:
{"hour": 7, "minute": 15}
